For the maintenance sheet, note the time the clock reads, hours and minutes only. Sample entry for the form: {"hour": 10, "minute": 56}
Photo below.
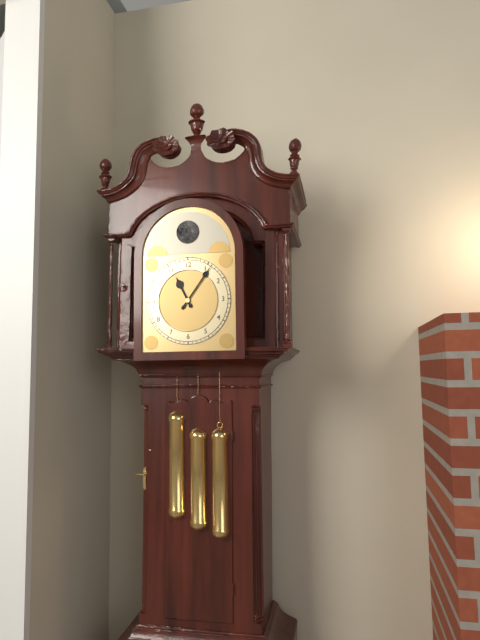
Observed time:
{"hour": 11, "minute": 6}
